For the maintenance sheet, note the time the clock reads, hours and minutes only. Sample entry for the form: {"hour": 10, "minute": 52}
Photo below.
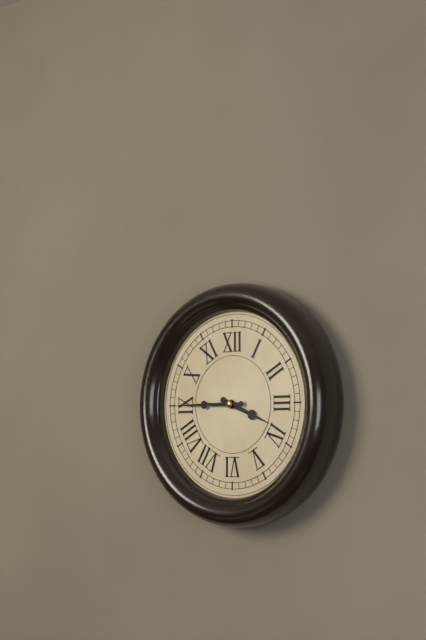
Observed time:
{"hour": 3, "minute": 45}
